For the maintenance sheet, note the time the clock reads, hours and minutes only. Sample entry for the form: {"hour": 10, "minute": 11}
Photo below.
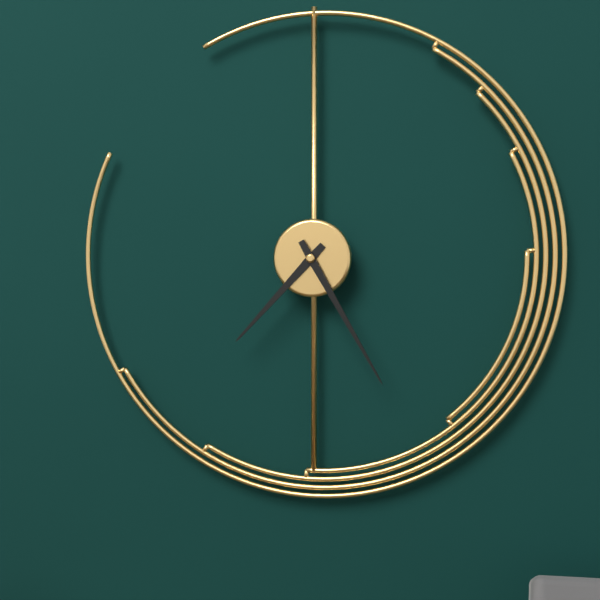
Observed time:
{"hour": 7, "minute": 25}
